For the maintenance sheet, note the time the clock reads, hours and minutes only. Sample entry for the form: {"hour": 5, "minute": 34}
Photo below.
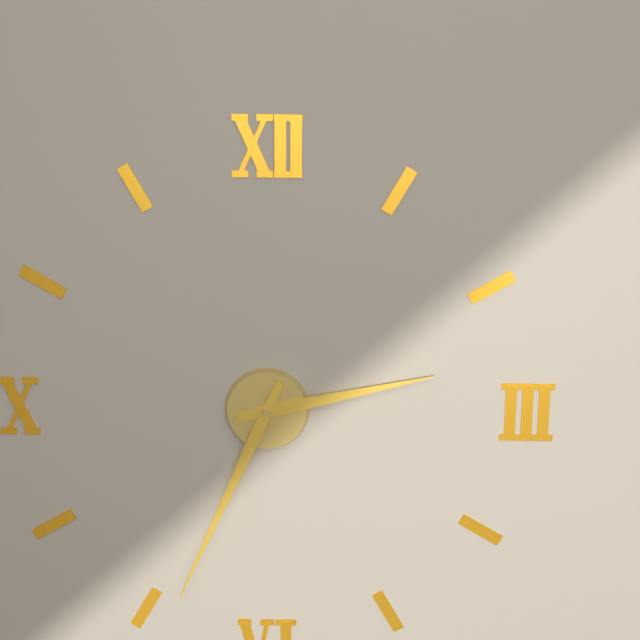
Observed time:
{"hour": 2, "minute": 34}
